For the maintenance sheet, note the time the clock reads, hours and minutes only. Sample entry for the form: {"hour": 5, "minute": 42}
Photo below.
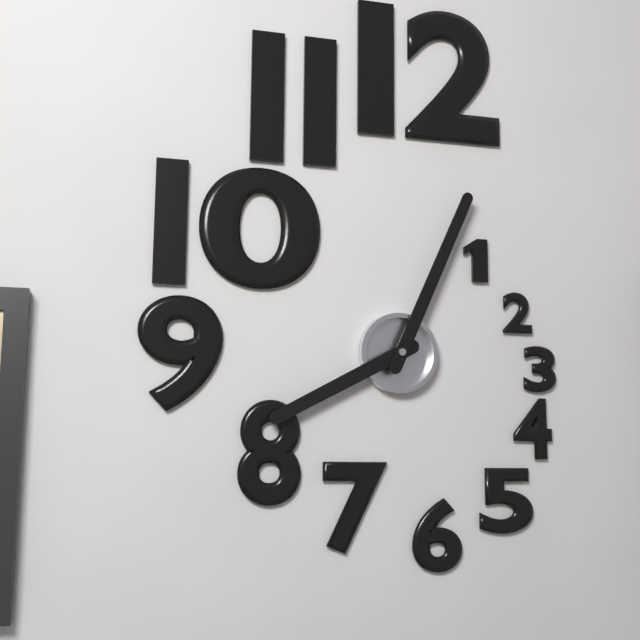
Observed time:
{"hour": 8, "minute": 4}
